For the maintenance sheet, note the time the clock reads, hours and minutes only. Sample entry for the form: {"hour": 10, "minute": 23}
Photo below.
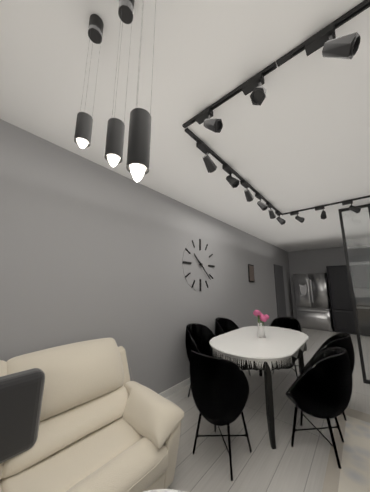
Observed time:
{"hour": 10, "minute": 22}
